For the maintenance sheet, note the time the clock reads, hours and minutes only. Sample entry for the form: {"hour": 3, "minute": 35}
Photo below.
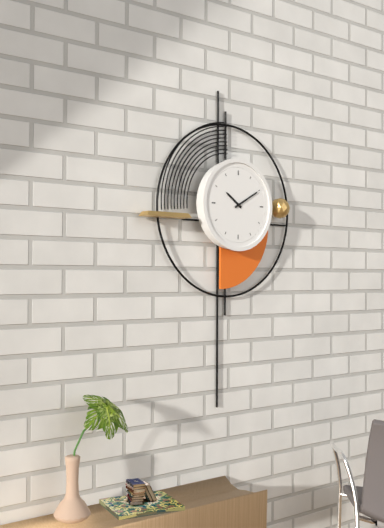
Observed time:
{"hour": 10, "minute": 10}
